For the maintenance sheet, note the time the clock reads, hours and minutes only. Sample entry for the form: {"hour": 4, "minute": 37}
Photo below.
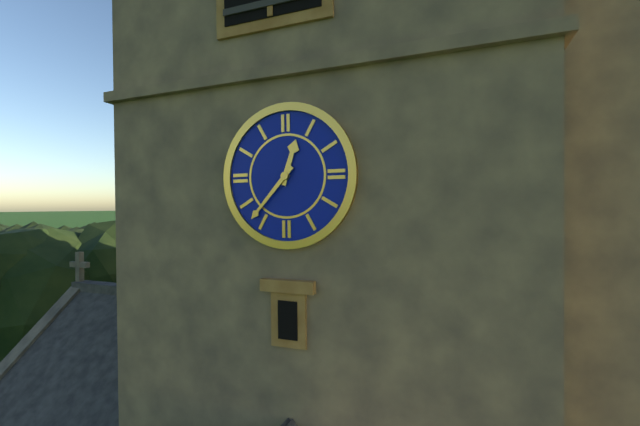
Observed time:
{"hour": 12, "minute": 37}
